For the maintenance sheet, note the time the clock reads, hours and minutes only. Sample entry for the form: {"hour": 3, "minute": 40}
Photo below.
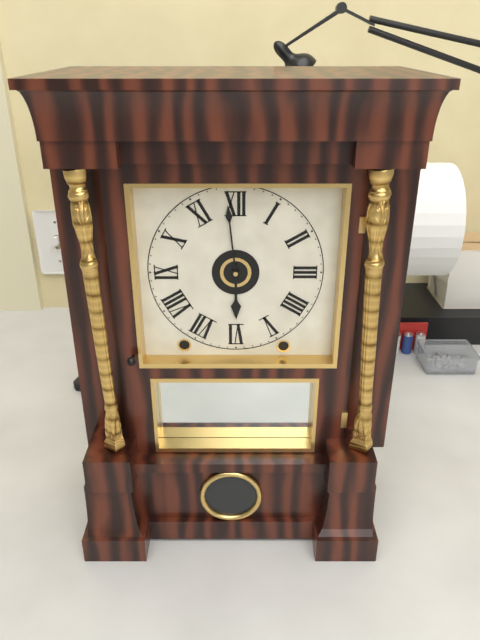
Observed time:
{"hour": 5, "minute": 59}
